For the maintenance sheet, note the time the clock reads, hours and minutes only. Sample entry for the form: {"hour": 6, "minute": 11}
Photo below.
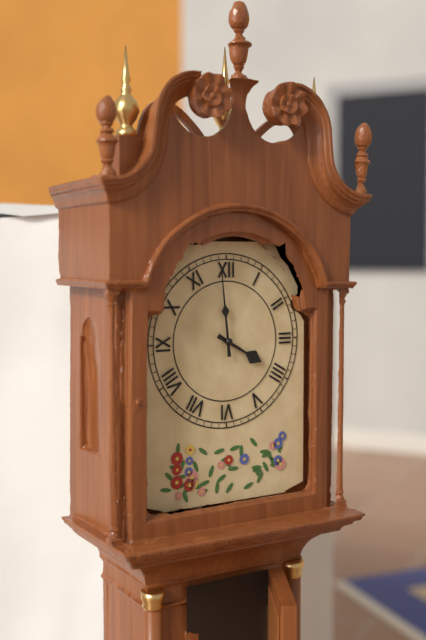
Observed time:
{"hour": 3, "minute": 59}
